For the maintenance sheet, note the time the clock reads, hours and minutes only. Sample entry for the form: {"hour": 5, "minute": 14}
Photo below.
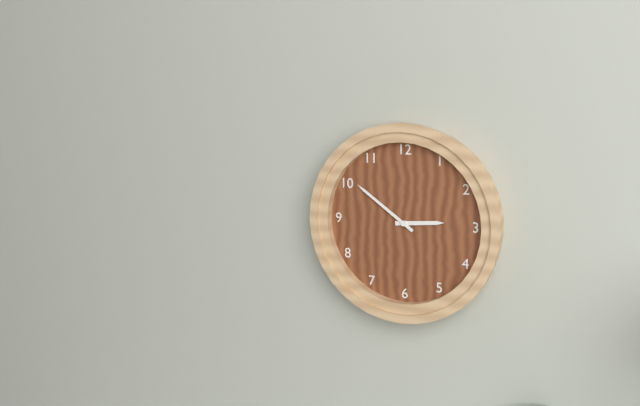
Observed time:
{"hour": 2, "minute": 51}
